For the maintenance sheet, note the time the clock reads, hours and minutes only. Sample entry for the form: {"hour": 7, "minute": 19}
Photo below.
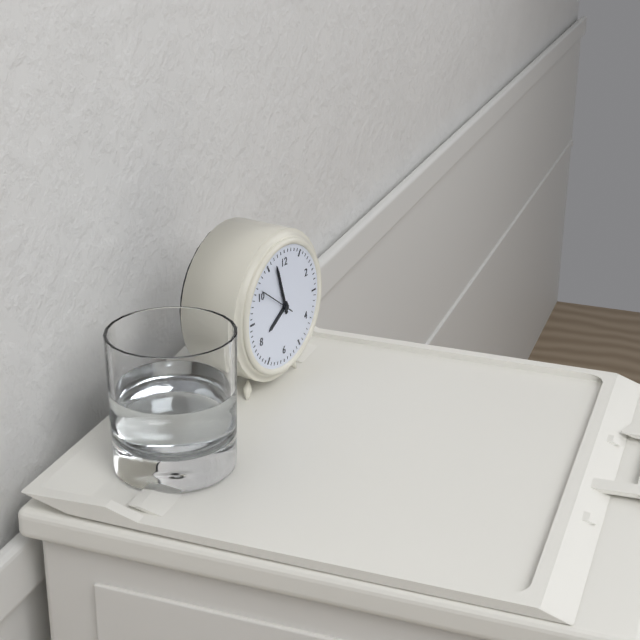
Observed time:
{"hour": 7, "minute": 57}
